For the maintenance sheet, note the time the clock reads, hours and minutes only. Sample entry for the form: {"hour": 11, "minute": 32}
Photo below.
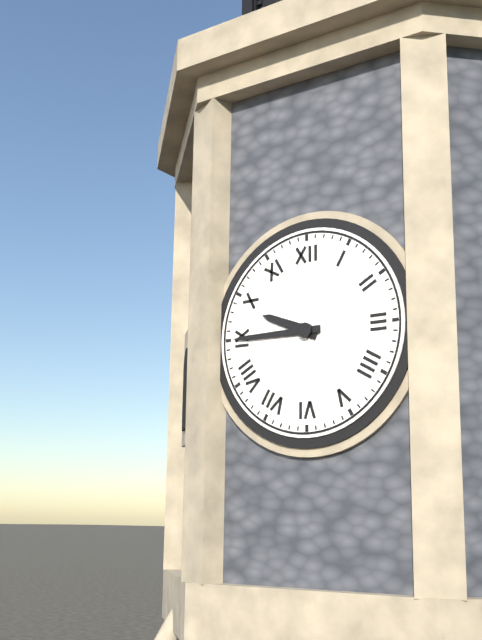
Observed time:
{"hour": 9, "minute": 45}
